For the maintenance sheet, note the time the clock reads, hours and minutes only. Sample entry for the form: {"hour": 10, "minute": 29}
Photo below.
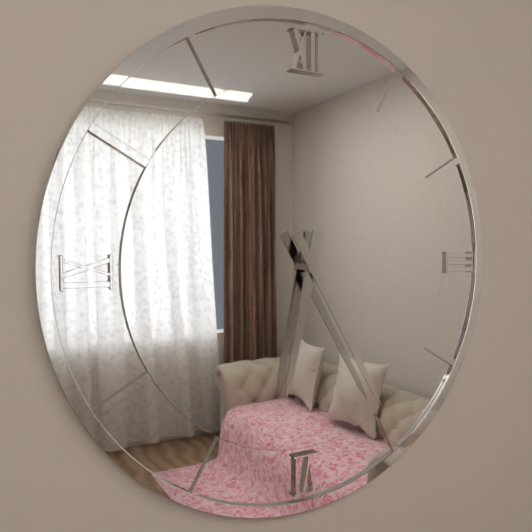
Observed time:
{"hour": 6, "minute": 25}
